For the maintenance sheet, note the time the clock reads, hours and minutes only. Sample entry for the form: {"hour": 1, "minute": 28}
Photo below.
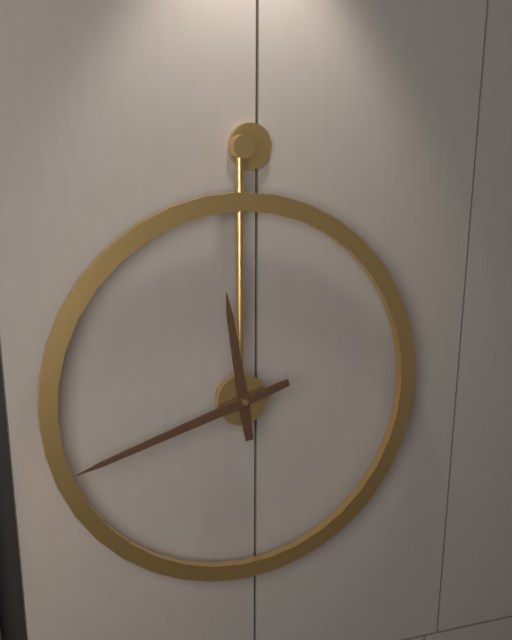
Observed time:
{"hour": 11, "minute": 42}
